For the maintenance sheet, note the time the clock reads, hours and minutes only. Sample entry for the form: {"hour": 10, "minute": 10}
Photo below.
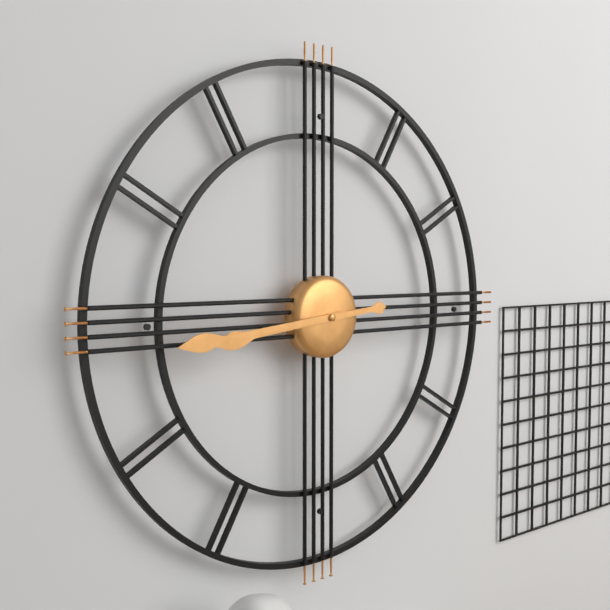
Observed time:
{"hour": 8, "minute": 44}
